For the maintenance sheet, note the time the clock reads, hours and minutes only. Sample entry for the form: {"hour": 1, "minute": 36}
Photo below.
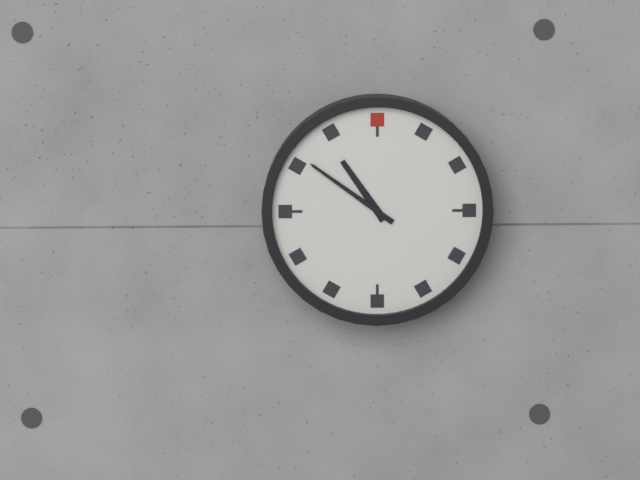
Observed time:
{"hour": 10, "minute": 51}
